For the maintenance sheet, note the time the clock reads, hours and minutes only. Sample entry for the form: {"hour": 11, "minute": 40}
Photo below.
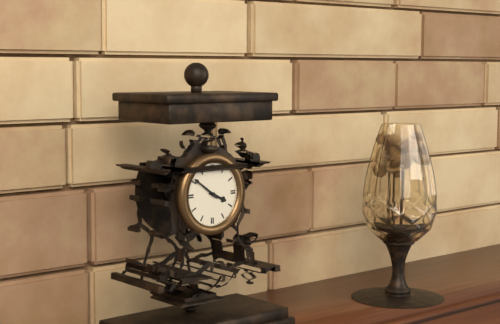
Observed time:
{"hour": 3, "minute": 51}
